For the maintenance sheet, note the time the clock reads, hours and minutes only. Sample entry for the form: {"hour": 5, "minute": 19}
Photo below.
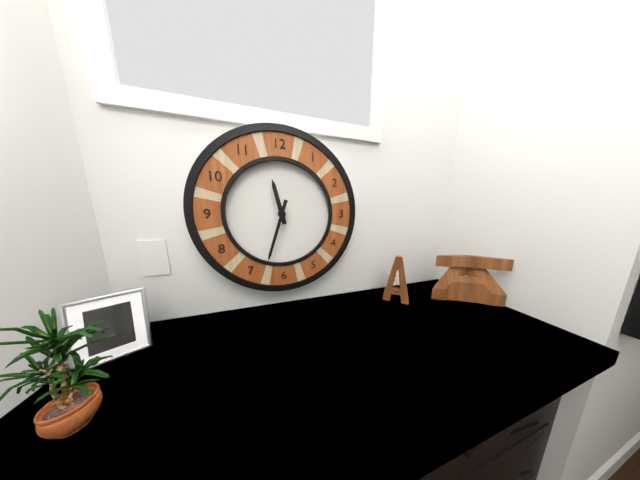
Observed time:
{"hour": 11, "minute": 33}
